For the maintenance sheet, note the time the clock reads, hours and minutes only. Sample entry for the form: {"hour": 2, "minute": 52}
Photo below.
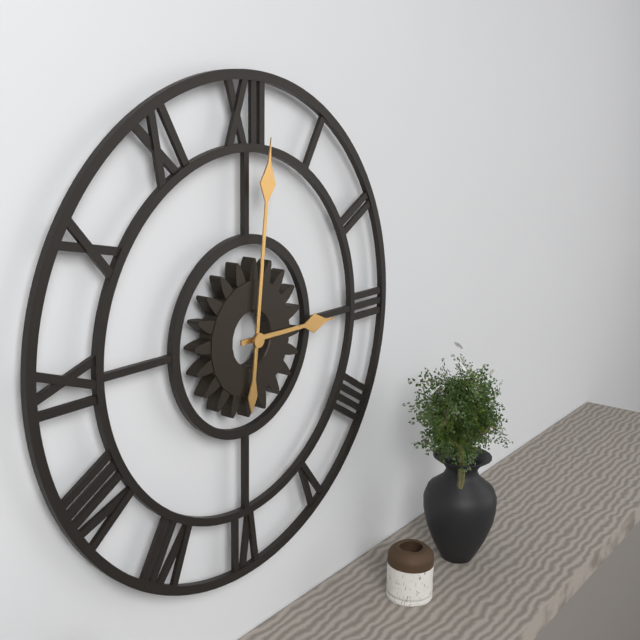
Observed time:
{"hour": 3, "minute": 1}
